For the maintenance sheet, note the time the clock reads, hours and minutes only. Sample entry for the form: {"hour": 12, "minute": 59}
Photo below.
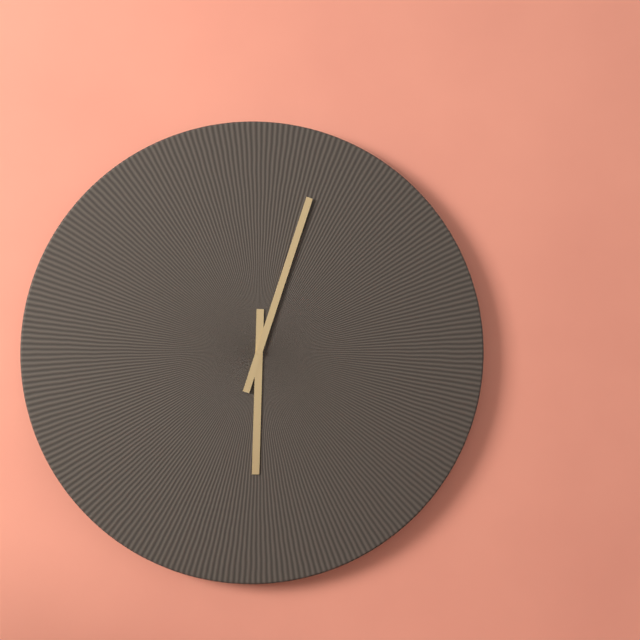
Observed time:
{"hour": 6, "minute": 3}
